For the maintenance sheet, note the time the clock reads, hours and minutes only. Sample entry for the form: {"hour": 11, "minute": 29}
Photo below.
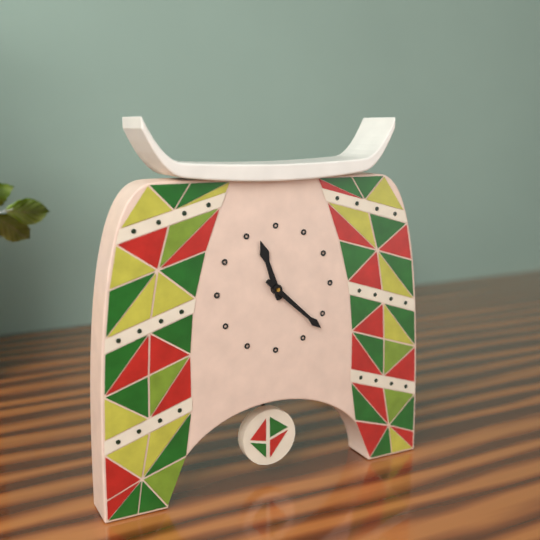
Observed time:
{"hour": 11, "minute": 22}
